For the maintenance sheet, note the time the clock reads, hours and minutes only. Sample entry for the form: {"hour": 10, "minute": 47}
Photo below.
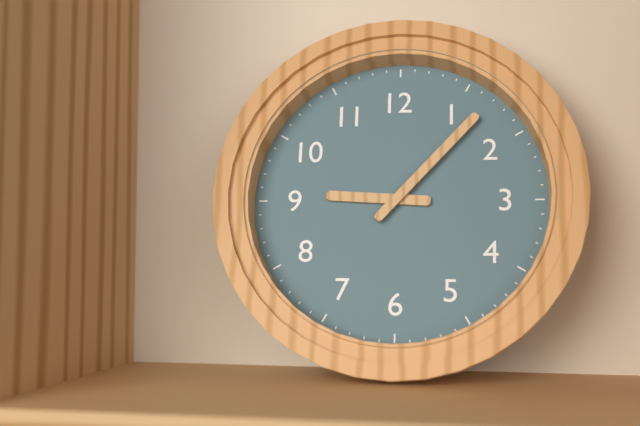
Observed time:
{"hour": 9, "minute": 7}
